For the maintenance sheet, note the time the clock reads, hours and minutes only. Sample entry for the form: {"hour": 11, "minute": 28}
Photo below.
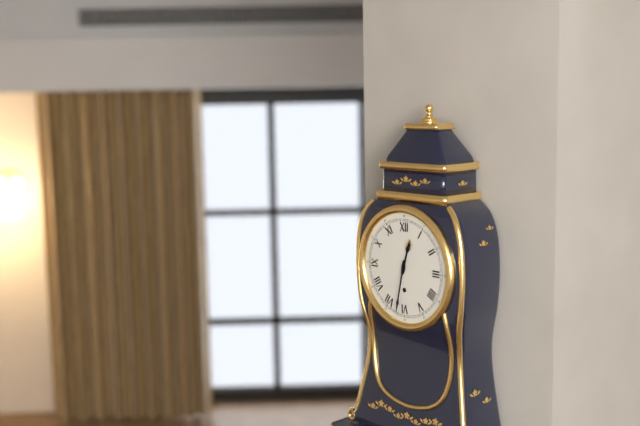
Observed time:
{"hour": 12, "minute": 32}
